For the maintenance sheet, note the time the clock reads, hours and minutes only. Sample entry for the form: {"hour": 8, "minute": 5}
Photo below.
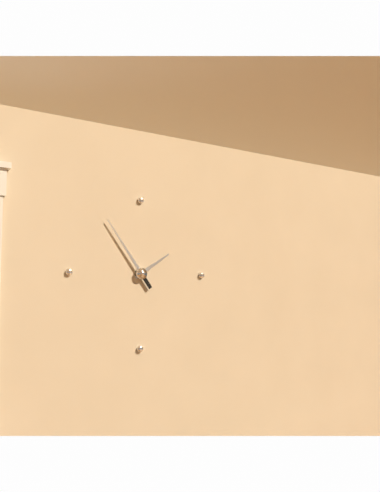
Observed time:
{"hour": 1, "minute": 54}
